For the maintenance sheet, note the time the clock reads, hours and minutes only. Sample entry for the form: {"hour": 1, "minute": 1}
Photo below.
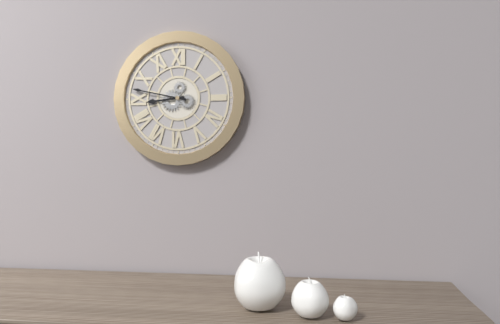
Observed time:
{"hour": 8, "minute": 47}
